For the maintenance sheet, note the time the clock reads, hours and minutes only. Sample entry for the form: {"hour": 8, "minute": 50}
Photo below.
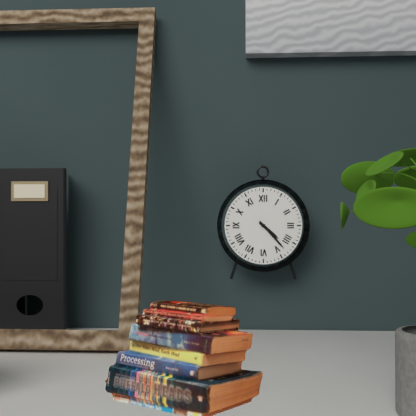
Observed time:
{"hour": 4, "minute": 23}
